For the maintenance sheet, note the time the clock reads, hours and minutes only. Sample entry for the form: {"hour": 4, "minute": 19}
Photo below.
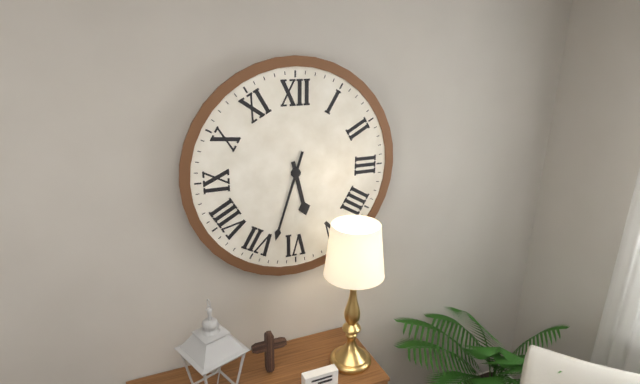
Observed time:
{"hour": 5, "minute": 33}
